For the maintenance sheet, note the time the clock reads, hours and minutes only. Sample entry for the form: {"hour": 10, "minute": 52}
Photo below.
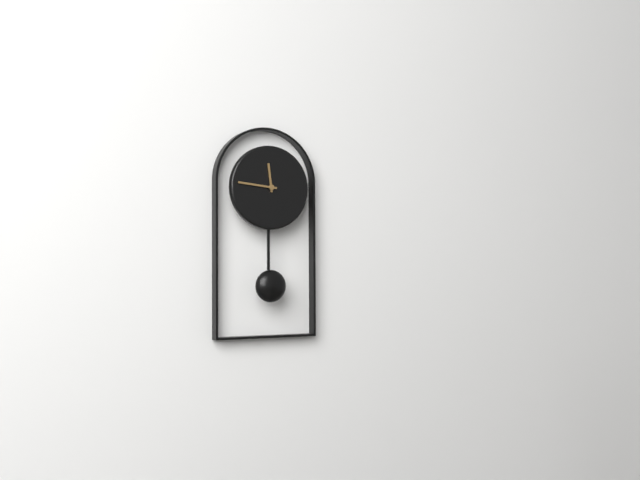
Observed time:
{"hour": 11, "minute": 46}
